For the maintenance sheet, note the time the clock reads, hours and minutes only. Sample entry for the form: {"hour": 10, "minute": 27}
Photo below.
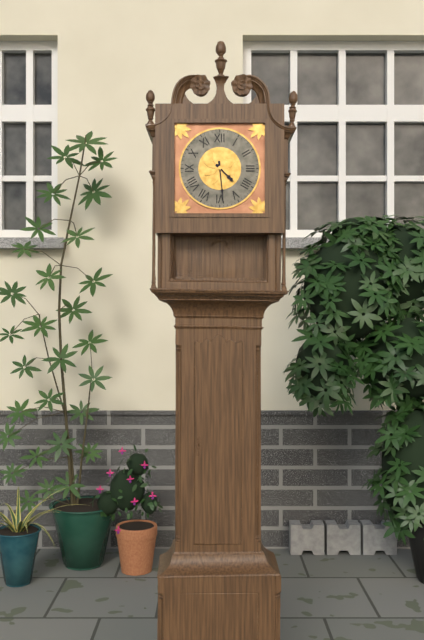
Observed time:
{"hour": 4, "minute": 29}
